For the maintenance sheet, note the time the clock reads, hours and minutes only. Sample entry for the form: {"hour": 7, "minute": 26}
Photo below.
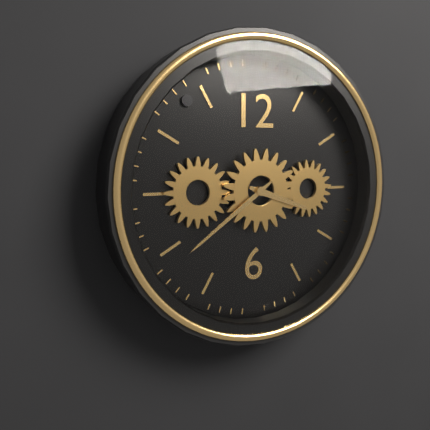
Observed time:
{"hour": 3, "minute": 39}
